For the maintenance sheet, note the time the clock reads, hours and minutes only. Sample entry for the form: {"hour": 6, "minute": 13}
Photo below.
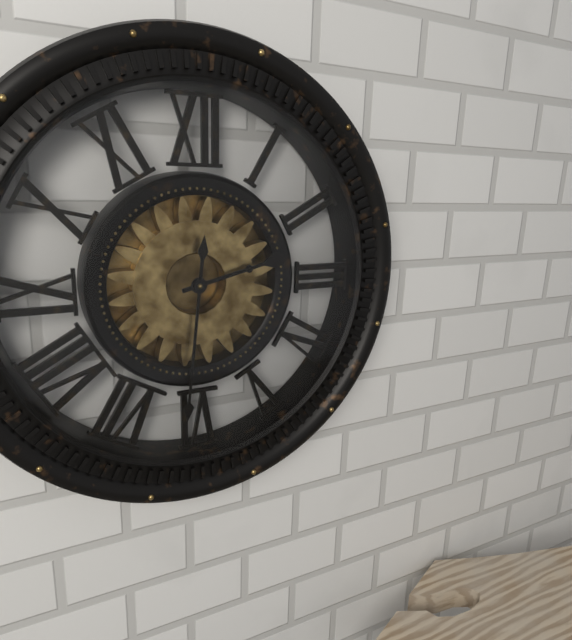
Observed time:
{"hour": 2, "minute": 31}
